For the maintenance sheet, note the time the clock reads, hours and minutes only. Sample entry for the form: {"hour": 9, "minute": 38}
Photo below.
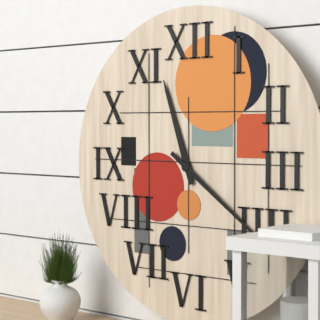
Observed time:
{"hour": 11, "minute": 21}
